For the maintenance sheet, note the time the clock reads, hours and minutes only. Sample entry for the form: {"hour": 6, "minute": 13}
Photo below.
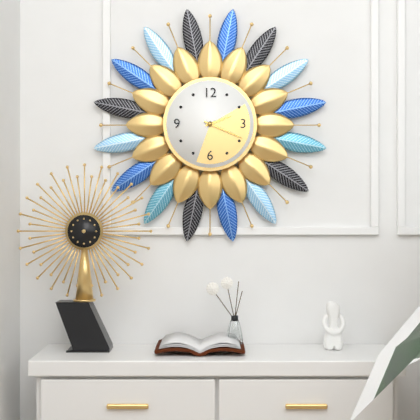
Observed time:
{"hour": 2, "minute": 19}
